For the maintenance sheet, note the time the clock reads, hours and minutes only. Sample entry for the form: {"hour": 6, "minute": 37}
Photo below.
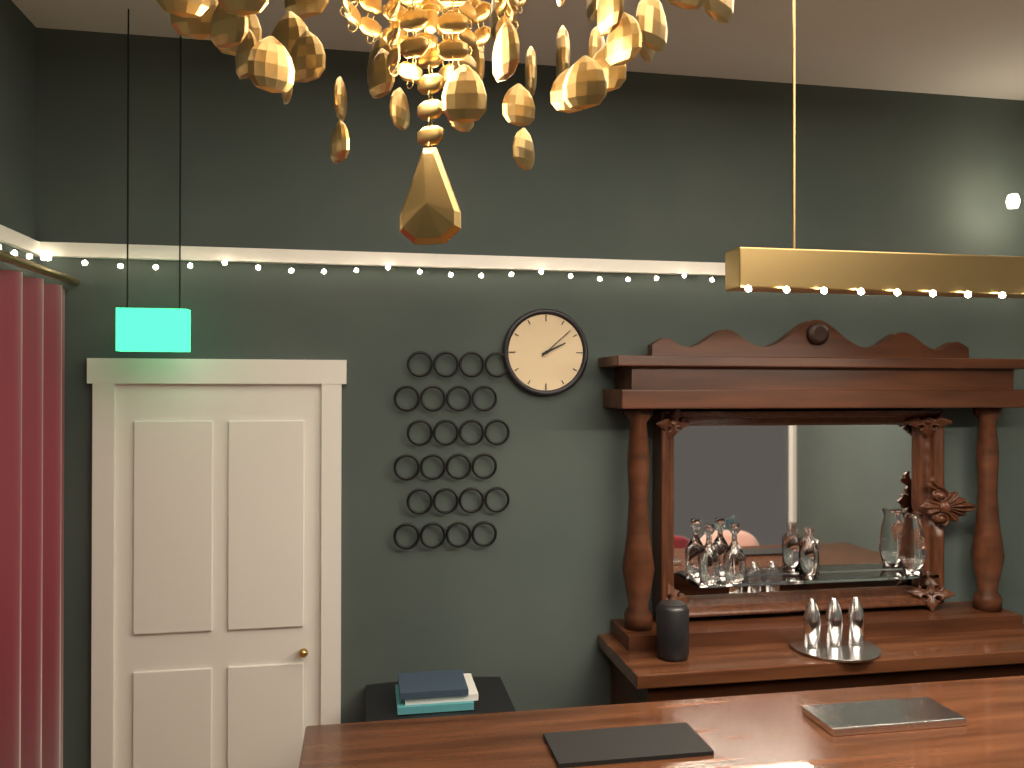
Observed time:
{"hour": 2, "minute": 8}
